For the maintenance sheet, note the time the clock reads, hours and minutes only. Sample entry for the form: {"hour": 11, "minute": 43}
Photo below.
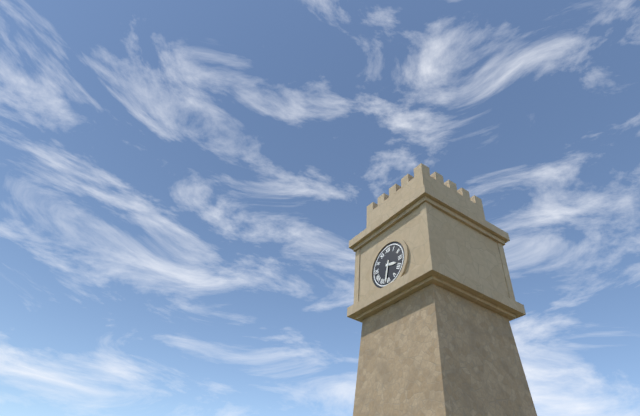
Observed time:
{"hour": 3, "minute": 32}
